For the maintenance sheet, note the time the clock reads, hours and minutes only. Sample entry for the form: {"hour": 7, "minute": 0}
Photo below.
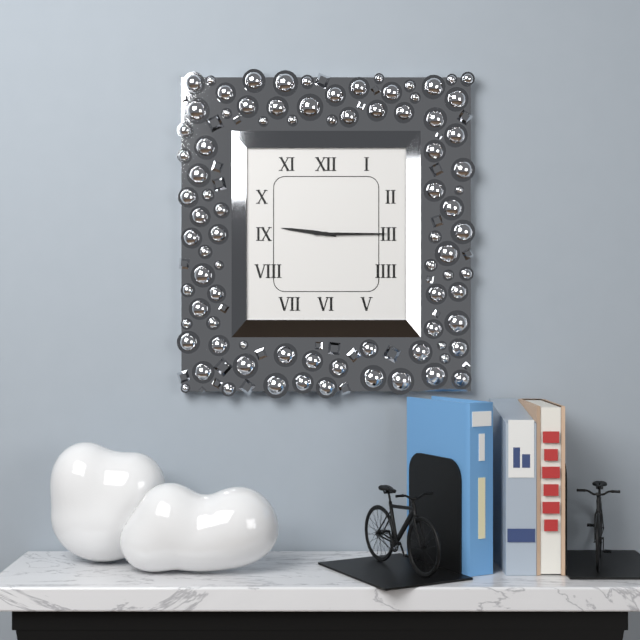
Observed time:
{"hour": 9, "minute": 15}
